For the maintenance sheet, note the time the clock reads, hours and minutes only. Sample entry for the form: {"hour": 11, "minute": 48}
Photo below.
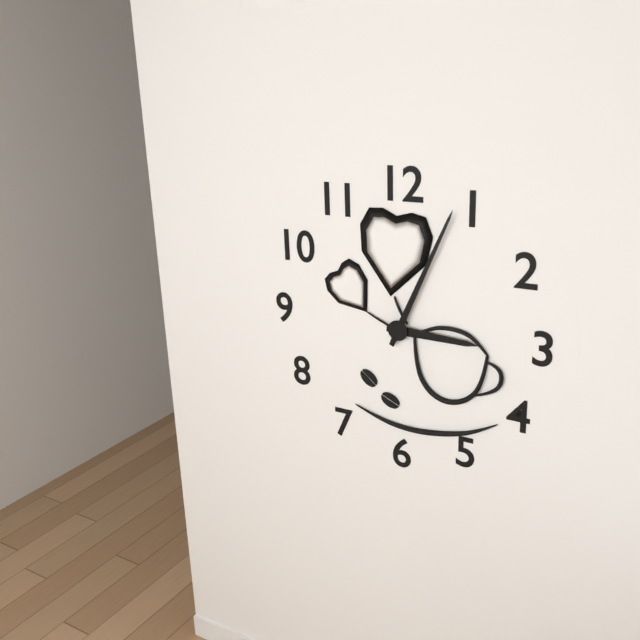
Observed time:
{"hour": 3, "minute": 4}
